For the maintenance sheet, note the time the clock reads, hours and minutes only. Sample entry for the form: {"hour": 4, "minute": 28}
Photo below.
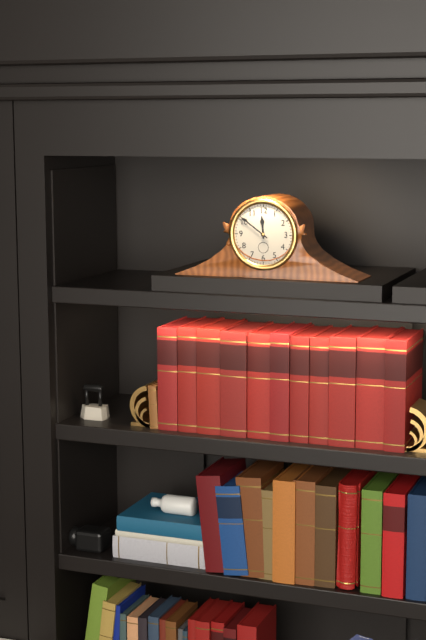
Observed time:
{"hour": 11, "minute": 51}
